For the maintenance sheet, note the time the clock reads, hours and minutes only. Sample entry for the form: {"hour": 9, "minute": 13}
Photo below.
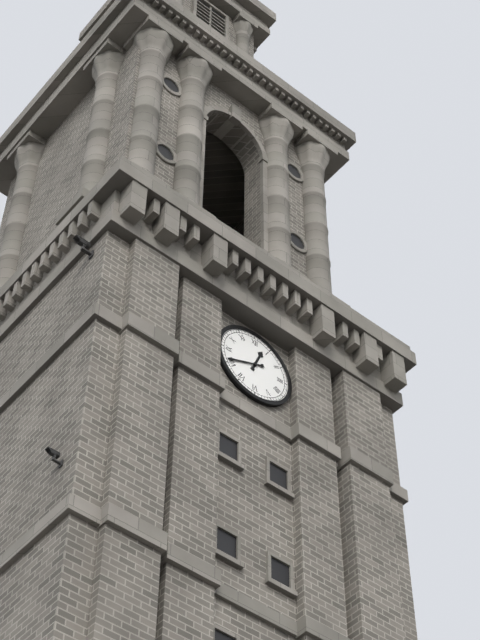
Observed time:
{"hour": 12, "minute": 41}
